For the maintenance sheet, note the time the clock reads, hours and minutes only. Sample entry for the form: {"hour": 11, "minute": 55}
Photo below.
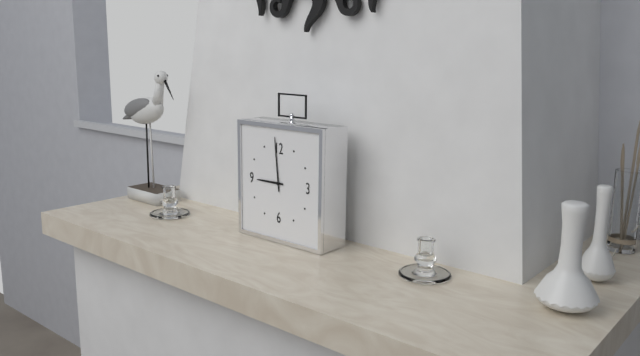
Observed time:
{"hour": 8, "minute": 59}
